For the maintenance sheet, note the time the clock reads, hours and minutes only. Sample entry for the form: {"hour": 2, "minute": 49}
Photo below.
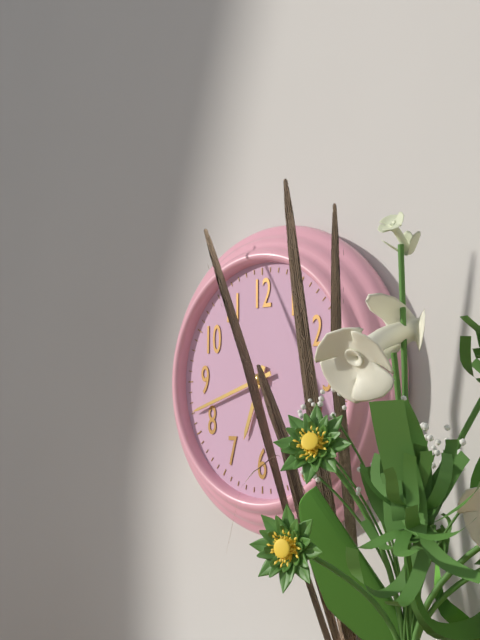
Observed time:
{"hour": 6, "minute": 42}
